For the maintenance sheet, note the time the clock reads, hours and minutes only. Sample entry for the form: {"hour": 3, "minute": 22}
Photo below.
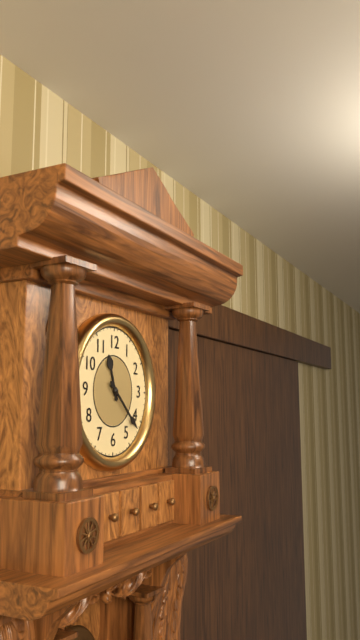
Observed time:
{"hour": 11, "minute": 22}
